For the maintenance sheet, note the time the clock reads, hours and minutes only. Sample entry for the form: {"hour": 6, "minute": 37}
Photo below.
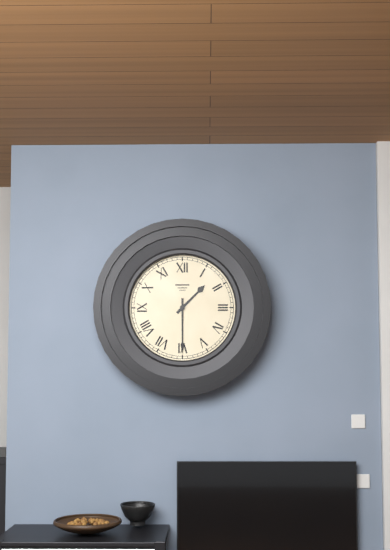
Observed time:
{"hour": 1, "minute": 30}
